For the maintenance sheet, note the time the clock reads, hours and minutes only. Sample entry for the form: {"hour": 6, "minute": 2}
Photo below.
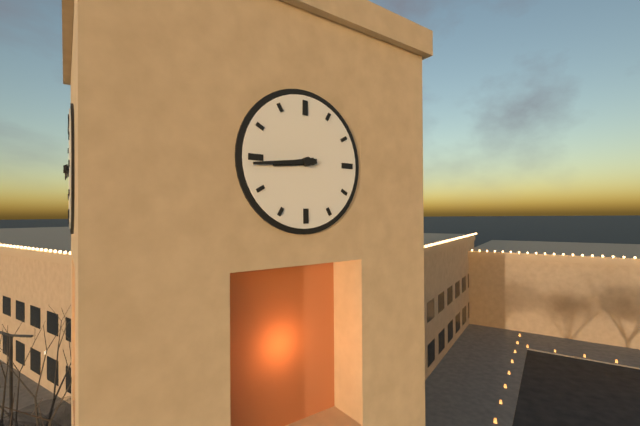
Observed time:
{"hour": 8, "minute": 44}
